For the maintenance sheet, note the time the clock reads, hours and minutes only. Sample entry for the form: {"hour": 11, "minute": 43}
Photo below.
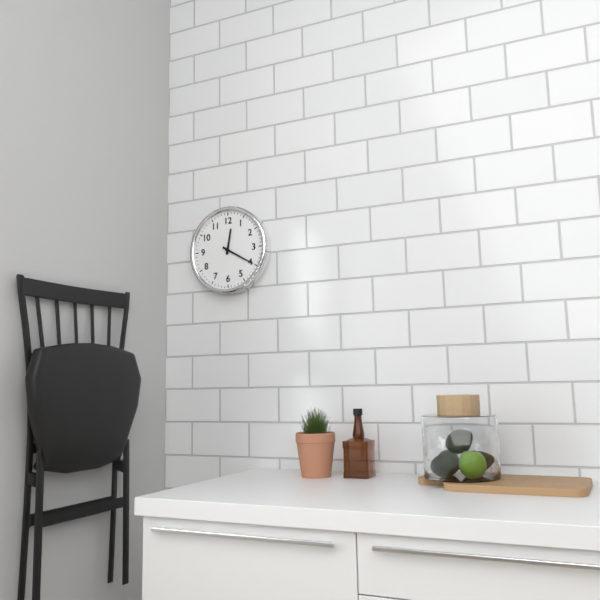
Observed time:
{"hour": 12, "minute": 20}
